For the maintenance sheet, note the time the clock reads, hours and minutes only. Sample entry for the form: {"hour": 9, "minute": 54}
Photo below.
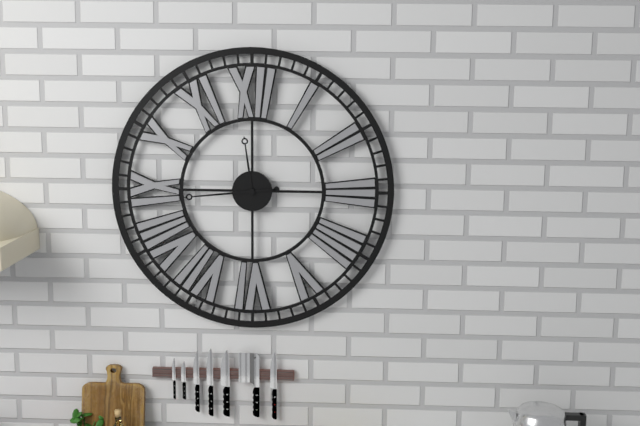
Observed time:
{"hour": 11, "minute": 44}
